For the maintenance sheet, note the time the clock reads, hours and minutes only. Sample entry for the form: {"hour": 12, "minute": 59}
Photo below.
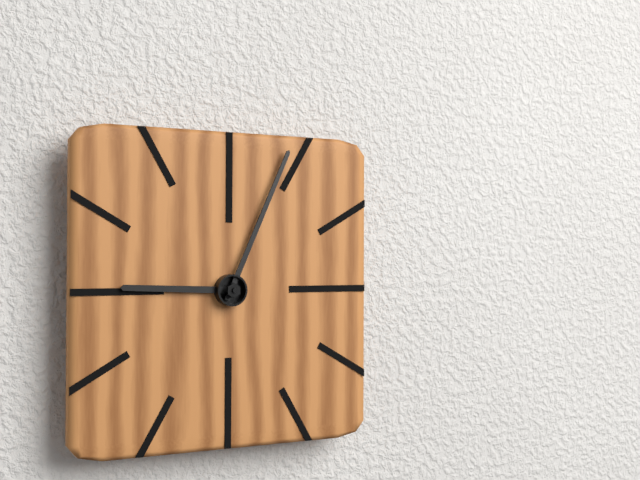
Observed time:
{"hour": 9, "minute": 4}
